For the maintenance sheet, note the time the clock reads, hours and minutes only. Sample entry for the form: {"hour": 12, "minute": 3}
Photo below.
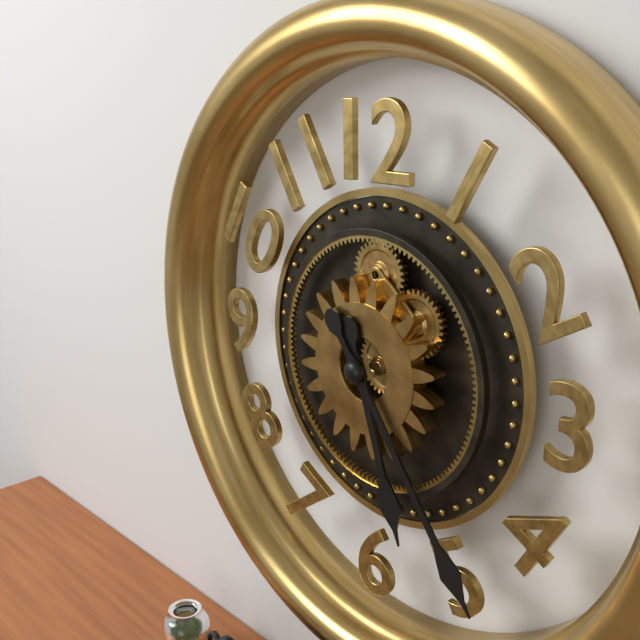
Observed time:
{"hour": 5, "minute": 24}
